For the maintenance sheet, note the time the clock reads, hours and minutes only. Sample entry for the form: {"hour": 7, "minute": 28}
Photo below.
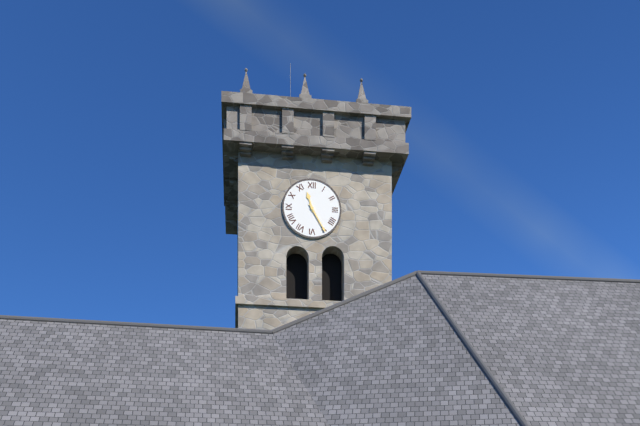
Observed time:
{"hour": 11, "minute": 25}
